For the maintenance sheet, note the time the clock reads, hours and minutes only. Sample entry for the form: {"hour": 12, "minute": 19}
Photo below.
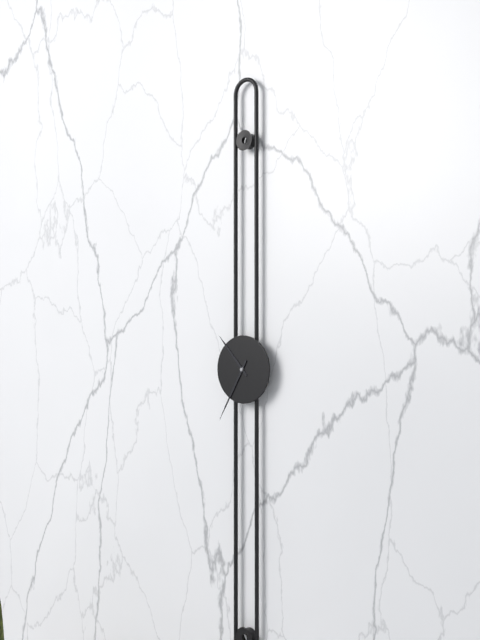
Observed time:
{"hour": 10, "minute": 35}
